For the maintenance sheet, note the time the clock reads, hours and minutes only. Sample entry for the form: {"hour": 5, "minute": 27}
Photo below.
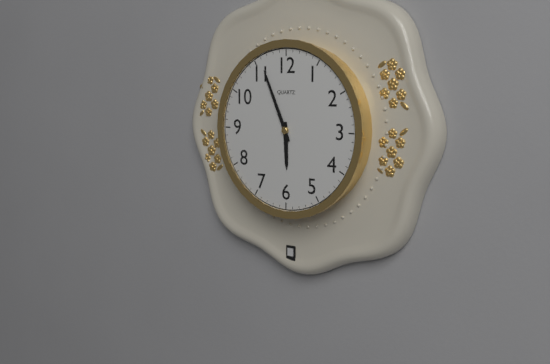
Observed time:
{"hour": 5, "minute": 56}
